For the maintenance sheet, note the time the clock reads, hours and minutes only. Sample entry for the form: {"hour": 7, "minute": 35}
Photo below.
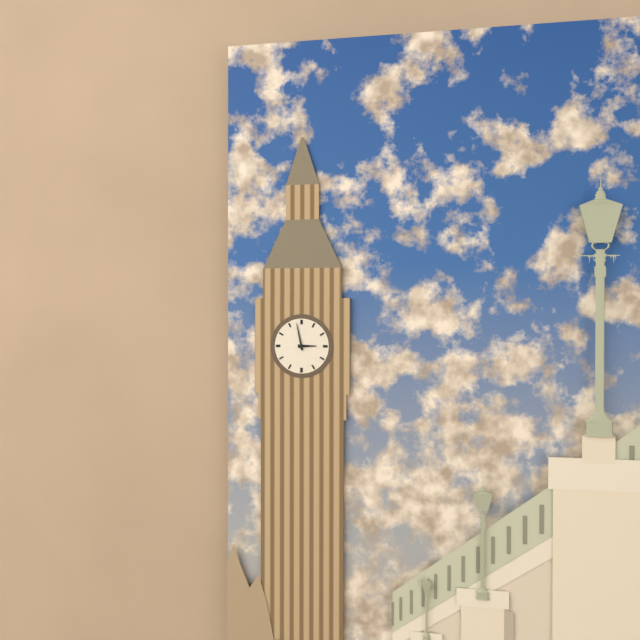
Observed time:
{"hour": 2, "minute": 58}
